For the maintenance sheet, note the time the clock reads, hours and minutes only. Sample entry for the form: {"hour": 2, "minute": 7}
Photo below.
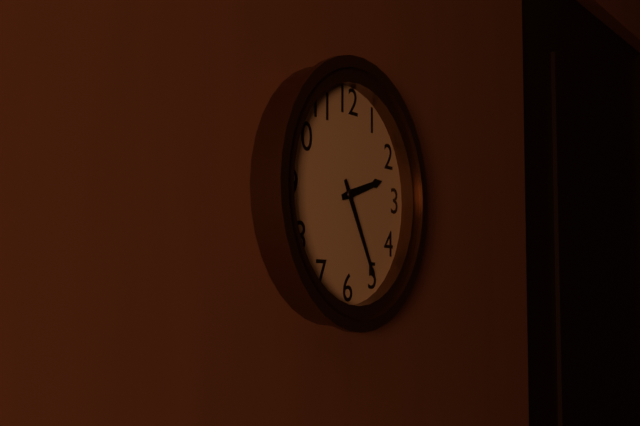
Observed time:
{"hour": 2, "minute": 25}
